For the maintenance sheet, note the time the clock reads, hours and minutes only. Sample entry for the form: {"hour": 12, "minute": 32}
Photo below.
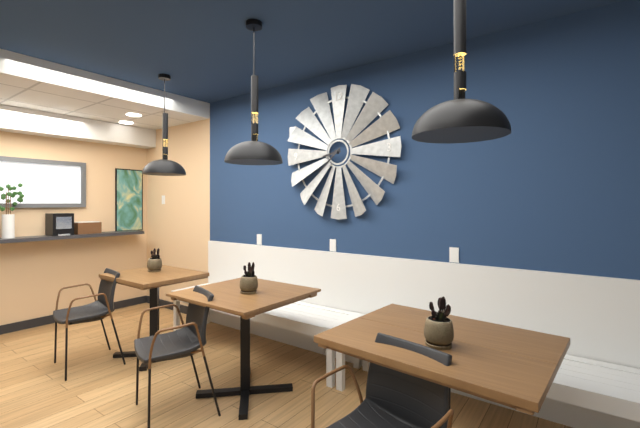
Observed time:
{"hour": 8, "minute": 38}
